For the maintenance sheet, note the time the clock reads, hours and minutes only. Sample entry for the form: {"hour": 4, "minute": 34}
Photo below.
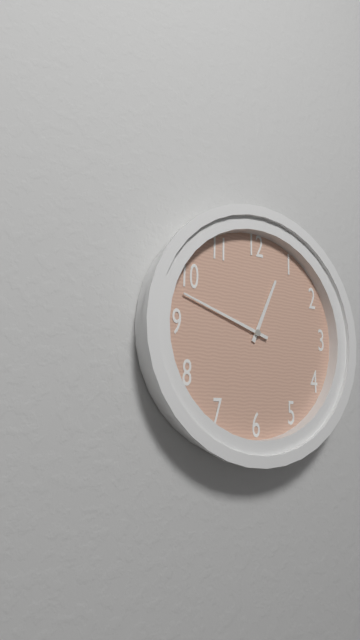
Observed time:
{"hour": 12, "minute": 48}
